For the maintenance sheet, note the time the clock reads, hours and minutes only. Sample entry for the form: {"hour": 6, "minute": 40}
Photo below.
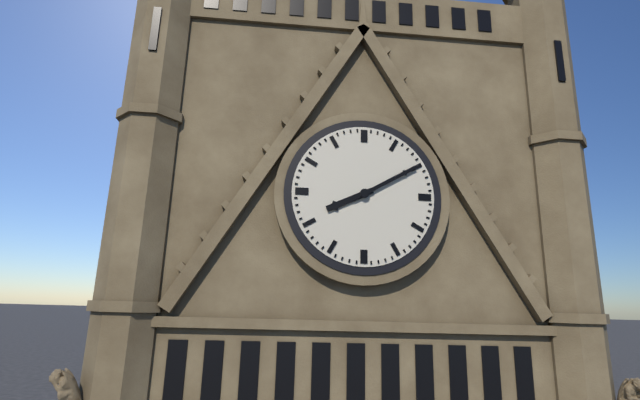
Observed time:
{"hour": 8, "minute": 10}
